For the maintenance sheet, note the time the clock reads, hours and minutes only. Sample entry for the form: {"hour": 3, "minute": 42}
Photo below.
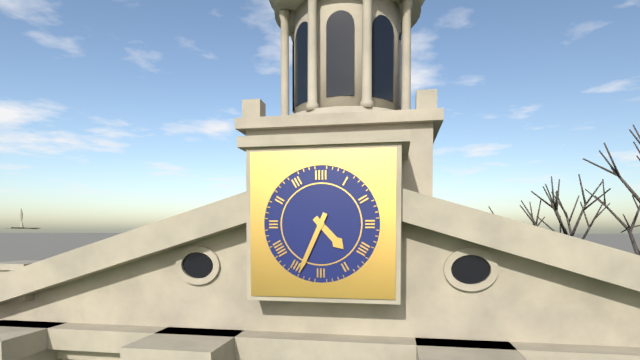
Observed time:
{"hour": 4, "minute": 34}
